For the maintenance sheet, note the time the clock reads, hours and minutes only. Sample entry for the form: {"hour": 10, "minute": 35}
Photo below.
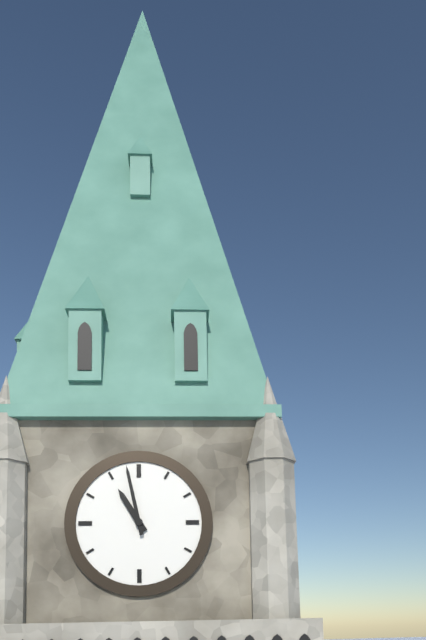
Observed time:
{"hour": 10, "minute": 58}
